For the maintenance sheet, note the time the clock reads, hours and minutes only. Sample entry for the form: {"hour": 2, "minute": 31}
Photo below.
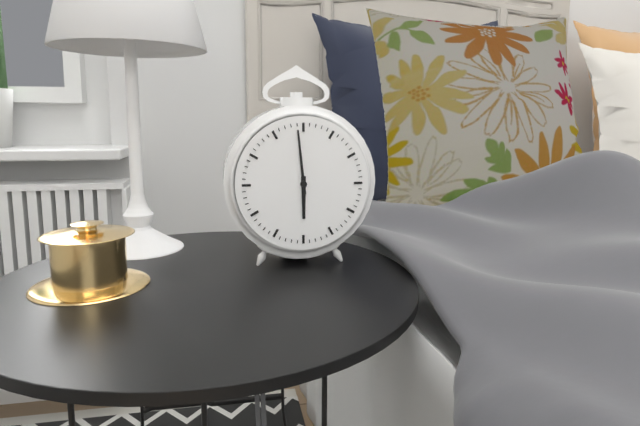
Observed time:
{"hour": 5, "minute": 59}
